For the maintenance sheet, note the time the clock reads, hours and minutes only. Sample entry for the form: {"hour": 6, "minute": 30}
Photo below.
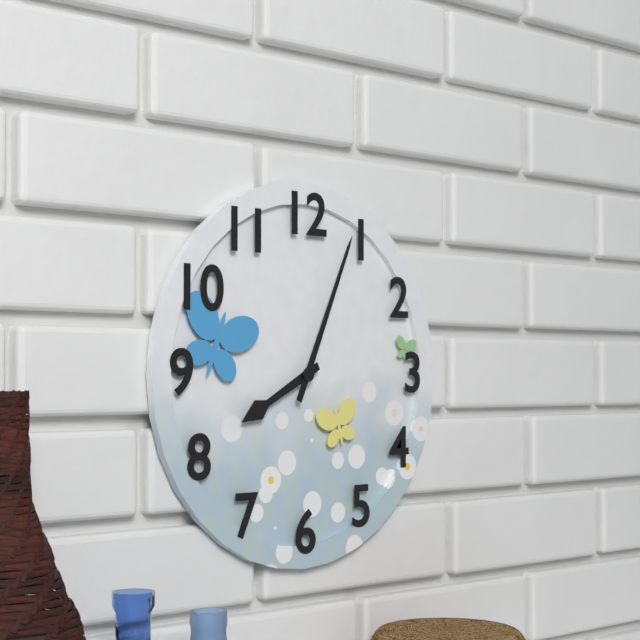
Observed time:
{"hour": 8, "minute": 4}
